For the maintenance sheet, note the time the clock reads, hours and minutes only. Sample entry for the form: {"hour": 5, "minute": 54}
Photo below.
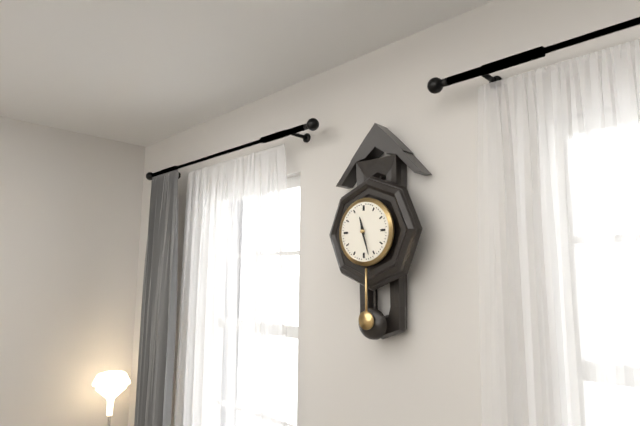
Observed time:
{"hour": 11, "minute": 27}
